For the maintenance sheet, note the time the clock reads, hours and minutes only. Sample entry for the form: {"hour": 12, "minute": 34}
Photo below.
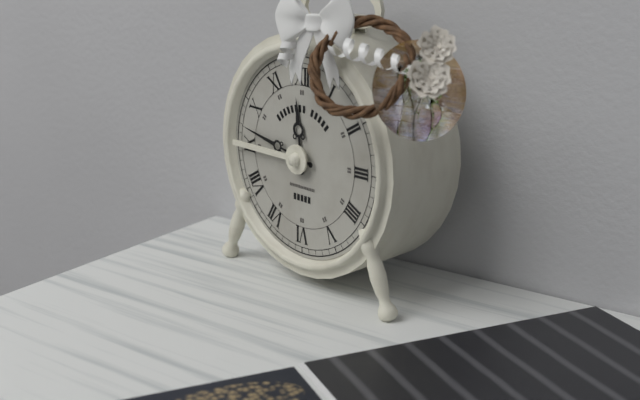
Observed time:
{"hour": 11, "minute": 47}
